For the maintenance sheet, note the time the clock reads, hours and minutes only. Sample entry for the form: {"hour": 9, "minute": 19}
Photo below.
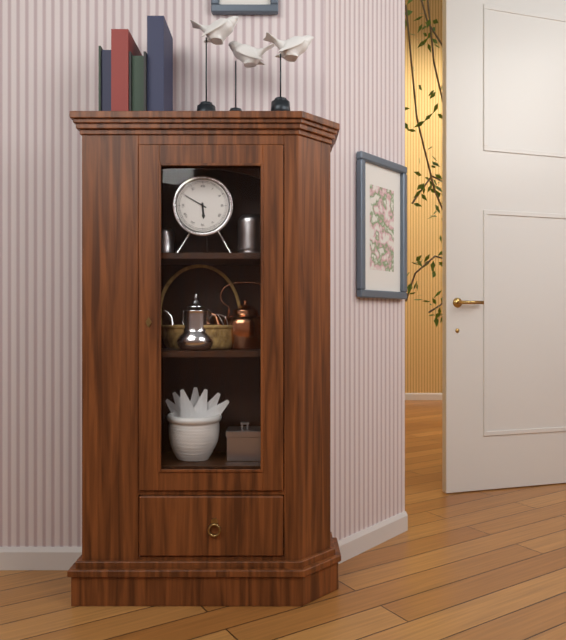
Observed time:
{"hour": 5, "minute": 50}
